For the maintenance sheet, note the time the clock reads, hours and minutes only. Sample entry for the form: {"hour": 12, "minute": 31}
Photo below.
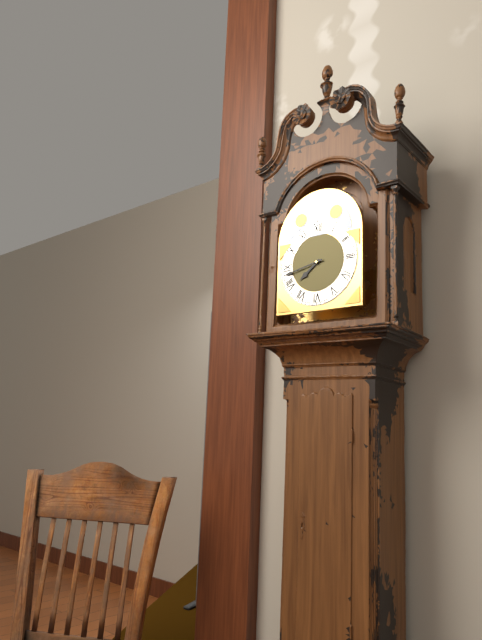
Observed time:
{"hour": 7, "minute": 43}
